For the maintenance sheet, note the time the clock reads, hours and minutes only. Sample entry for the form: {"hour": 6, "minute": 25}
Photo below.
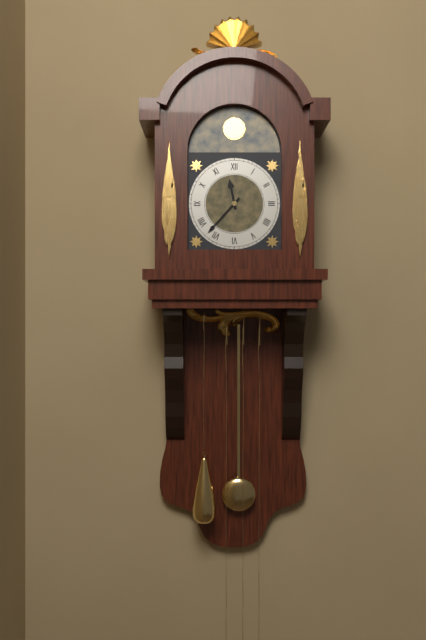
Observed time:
{"hour": 11, "minute": 37}
